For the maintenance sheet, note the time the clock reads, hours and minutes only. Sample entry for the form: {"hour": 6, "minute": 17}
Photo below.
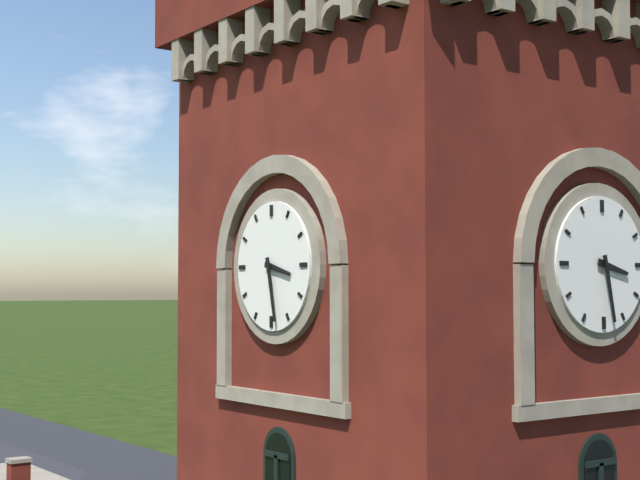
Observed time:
{"hour": 3, "minute": 28}
